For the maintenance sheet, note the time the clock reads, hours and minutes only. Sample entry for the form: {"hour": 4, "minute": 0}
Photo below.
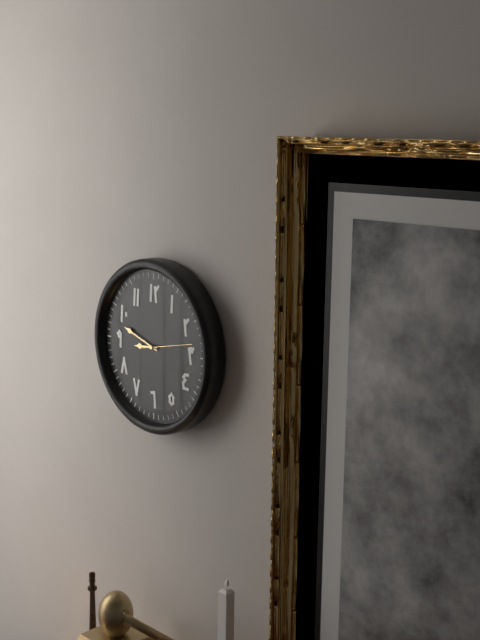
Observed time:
{"hour": 8, "minute": 48}
